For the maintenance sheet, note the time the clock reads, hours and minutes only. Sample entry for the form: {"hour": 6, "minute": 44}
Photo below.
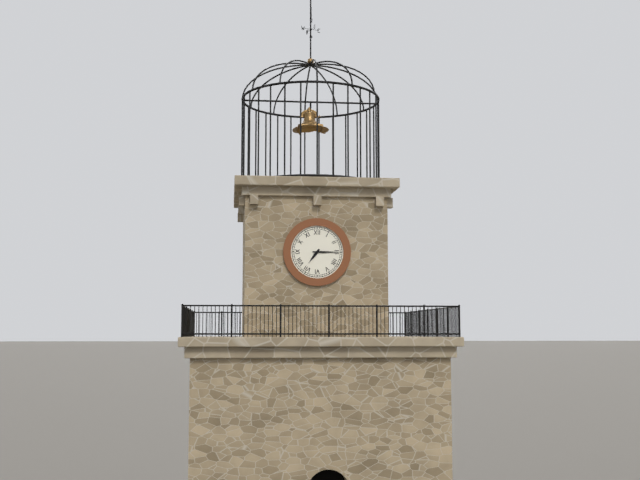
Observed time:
{"hour": 7, "minute": 15}
